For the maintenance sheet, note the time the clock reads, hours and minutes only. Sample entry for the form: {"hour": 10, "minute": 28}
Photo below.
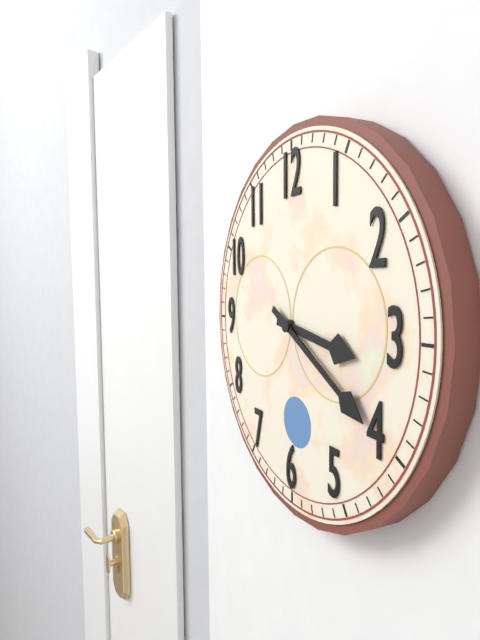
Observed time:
{"hour": 3, "minute": 20}
